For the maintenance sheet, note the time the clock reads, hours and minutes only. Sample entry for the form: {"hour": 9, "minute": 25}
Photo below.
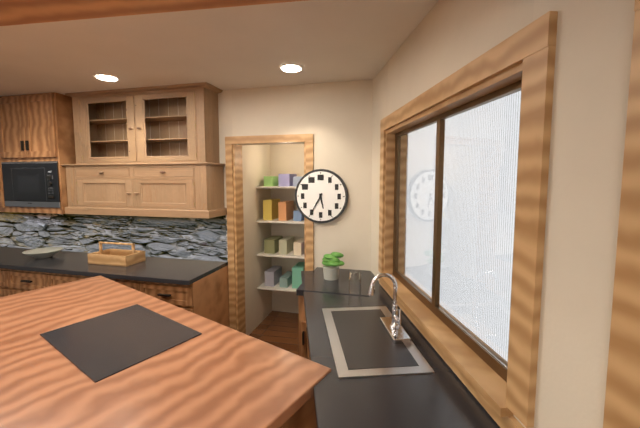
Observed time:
{"hour": 5, "minute": 35}
